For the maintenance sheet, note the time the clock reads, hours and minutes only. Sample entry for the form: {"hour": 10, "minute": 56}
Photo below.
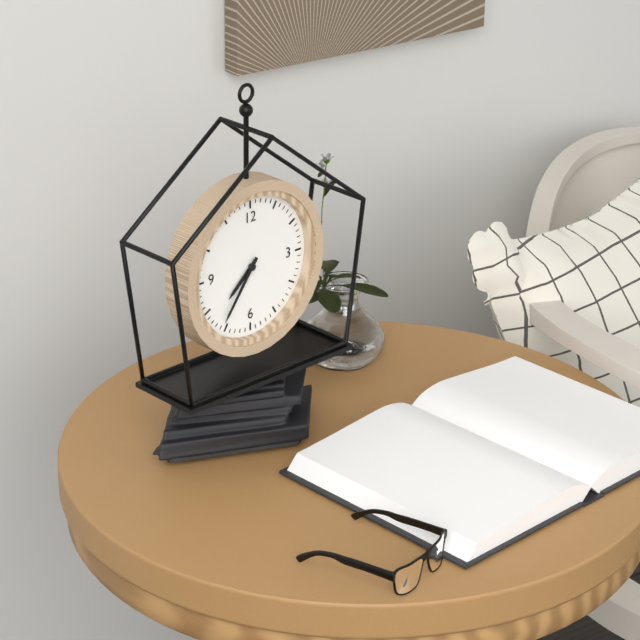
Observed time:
{"hour": 7, "minute": 36}
